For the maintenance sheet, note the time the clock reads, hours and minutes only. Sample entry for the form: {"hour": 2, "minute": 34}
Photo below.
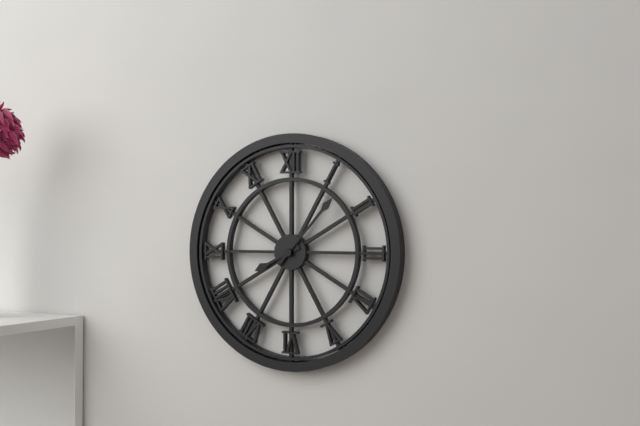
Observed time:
{"hour": 8, "minute": 7}
